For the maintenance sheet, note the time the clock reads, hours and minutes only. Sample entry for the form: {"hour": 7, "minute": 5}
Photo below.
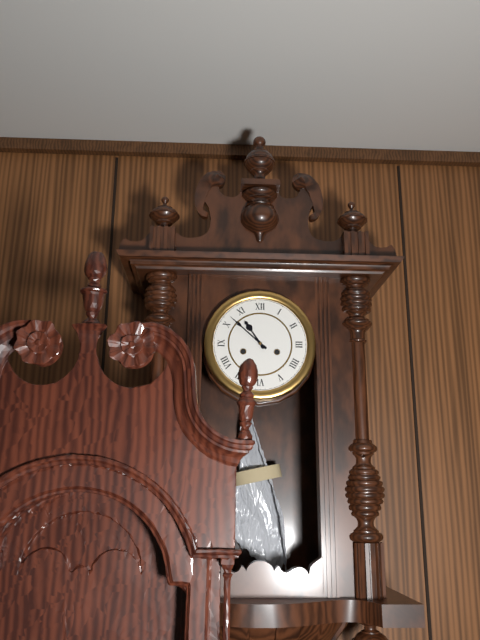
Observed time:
{"hour": 10, "minute": 52}
